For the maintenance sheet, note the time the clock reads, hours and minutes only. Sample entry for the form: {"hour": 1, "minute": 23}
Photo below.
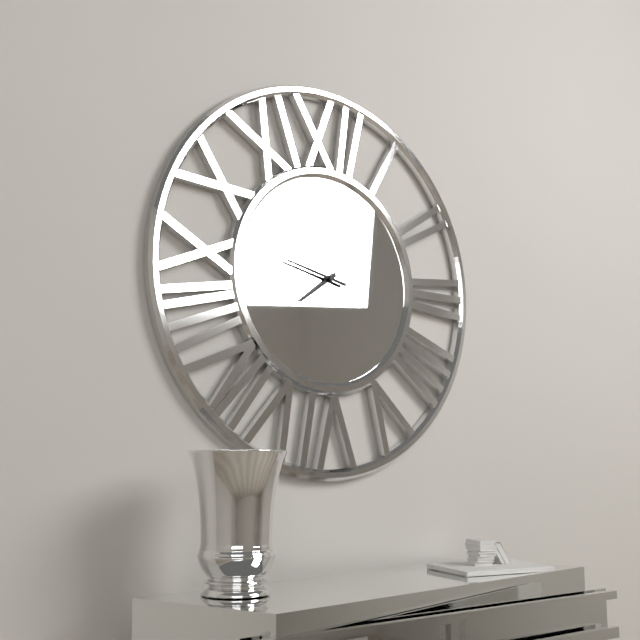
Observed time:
{"hour": 7, "minute": 47}
